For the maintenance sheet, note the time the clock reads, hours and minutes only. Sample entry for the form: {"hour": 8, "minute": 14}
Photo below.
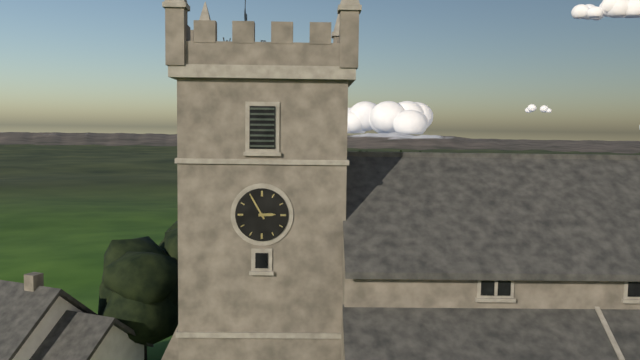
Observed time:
{"hour": 2, "minute": 55}
